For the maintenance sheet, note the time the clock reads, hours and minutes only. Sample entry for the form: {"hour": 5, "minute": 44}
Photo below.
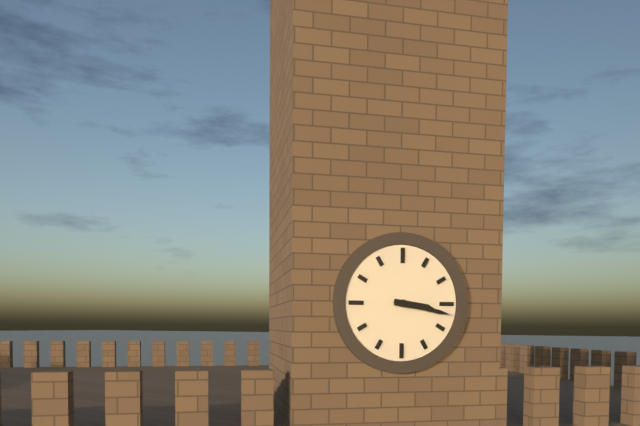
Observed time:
{"hour": 3, "minute": 17}
